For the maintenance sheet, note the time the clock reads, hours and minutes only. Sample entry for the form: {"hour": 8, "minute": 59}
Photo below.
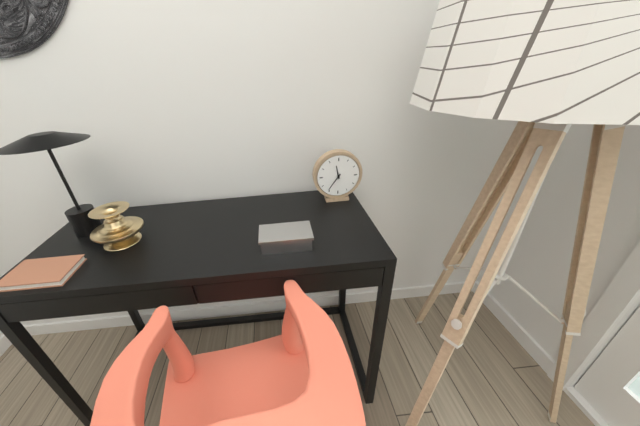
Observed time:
{"hour": 11, "minute": 36}
